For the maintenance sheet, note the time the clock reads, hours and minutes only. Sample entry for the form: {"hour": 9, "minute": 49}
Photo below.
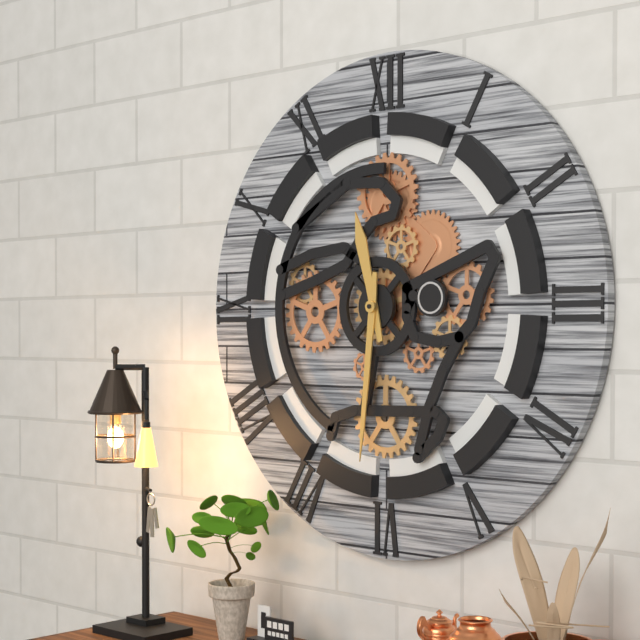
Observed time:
{"hour": 11, "minute": 31}
